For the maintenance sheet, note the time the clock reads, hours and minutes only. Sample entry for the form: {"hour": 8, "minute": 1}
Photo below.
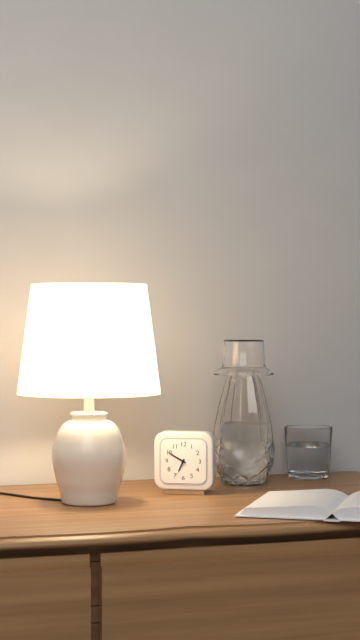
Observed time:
{"hour": 6, "minute": 50}
